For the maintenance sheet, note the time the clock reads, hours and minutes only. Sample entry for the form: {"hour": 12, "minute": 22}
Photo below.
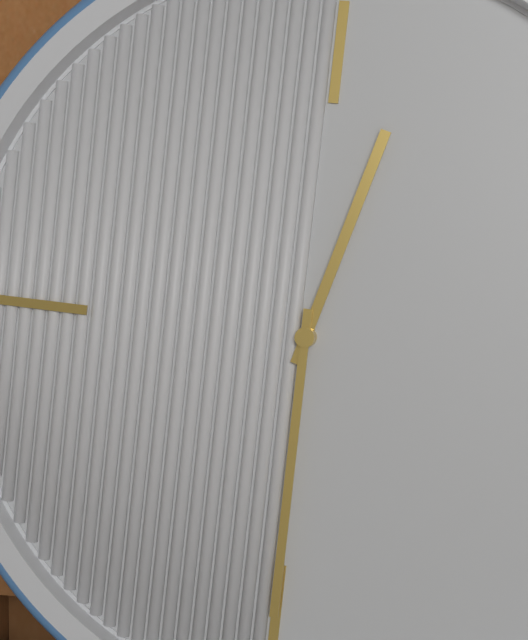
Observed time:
{"hour": 12, "minute": 30}
